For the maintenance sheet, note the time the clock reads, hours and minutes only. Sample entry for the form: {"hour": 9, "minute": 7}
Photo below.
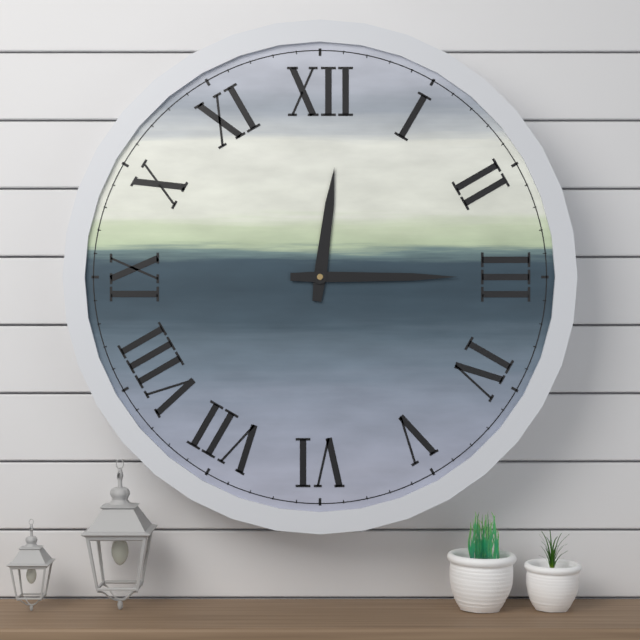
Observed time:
{"hour": 12, "minute": 15}
